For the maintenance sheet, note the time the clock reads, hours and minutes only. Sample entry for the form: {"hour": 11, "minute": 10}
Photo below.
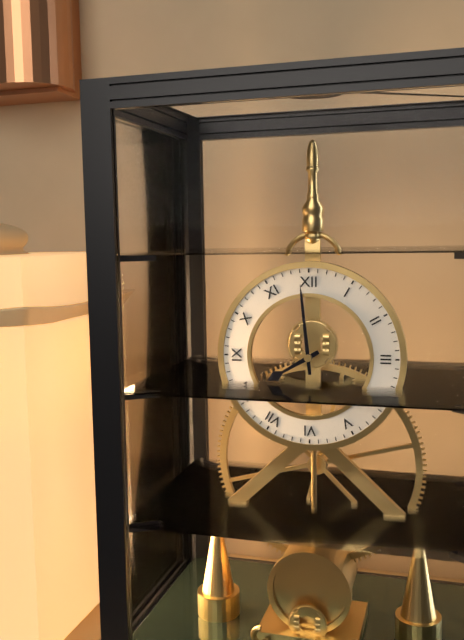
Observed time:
{"hour": 7, "minute": 59}
